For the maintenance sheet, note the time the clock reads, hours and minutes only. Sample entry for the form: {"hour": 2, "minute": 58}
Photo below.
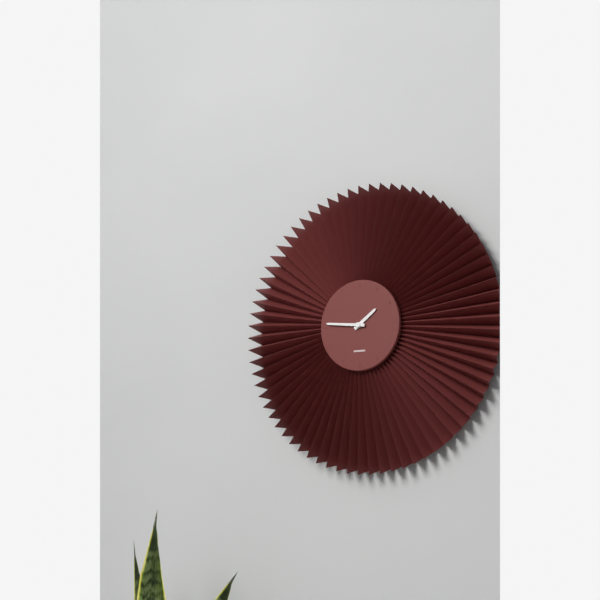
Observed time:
{"hour": 1, "minute": 46}
